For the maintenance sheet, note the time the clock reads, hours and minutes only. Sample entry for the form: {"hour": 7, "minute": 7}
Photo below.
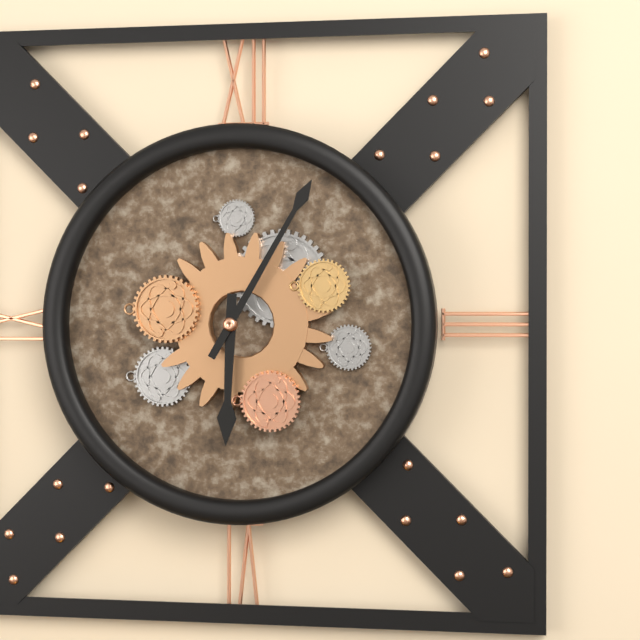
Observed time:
{"hour": 6, "minute": 5}
